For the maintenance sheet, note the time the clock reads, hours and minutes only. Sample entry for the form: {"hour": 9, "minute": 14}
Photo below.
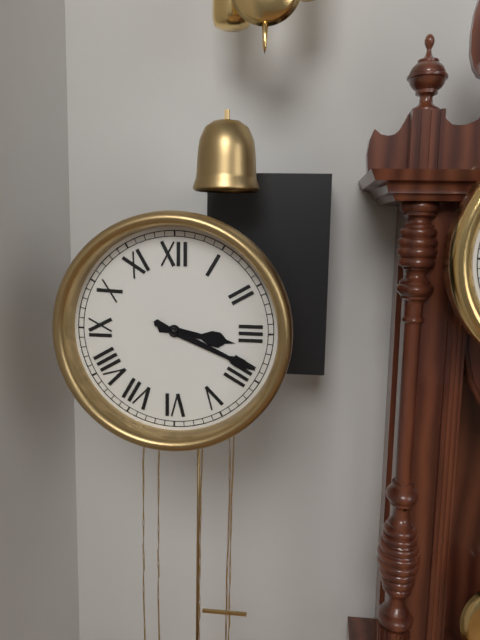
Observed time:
{"hour": 3, "minute": 19}
